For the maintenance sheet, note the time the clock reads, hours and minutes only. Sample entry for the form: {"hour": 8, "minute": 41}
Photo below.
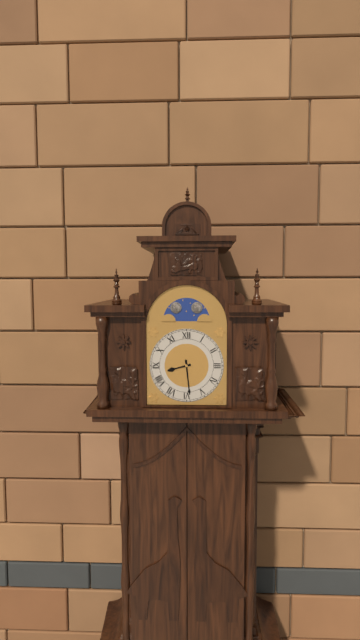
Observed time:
{"hour": 8, "minute": 29}
